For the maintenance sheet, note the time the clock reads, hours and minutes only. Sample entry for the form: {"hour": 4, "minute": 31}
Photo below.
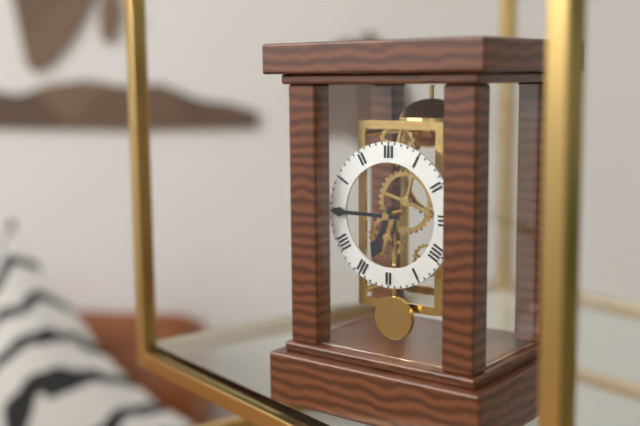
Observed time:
{"hour": 6, "minute": 45}
